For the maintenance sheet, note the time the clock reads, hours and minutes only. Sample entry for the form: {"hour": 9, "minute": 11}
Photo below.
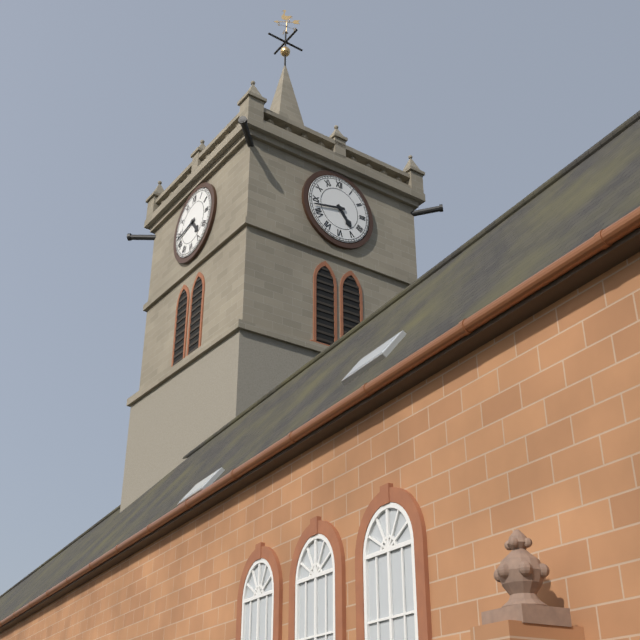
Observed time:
{"hour": 4, "minute": 43}
